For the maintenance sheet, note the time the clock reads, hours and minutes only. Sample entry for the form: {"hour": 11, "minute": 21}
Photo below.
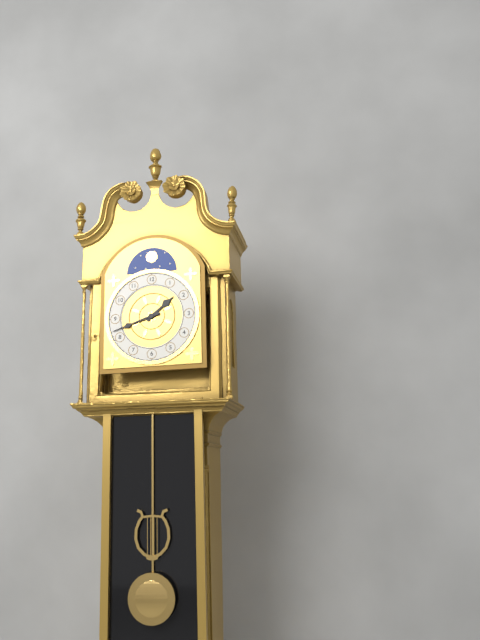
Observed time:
{"hour": 1, "minute": 42}
